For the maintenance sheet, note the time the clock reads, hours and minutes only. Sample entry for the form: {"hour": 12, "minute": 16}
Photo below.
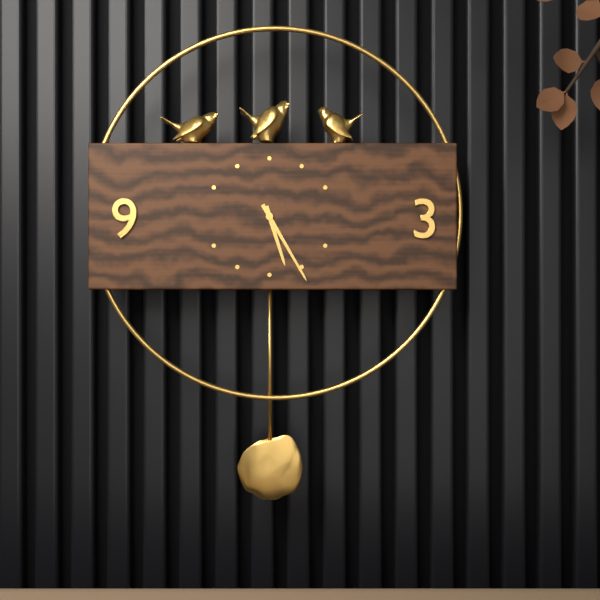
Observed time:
{"hour": 5, "minute": 25}
